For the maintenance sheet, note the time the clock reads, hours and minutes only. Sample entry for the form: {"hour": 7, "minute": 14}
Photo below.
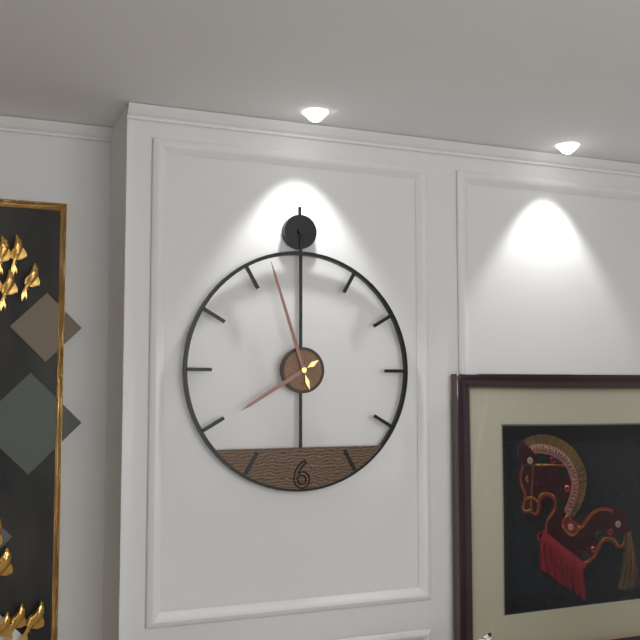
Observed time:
{"hour": 7, "minute": 57}
